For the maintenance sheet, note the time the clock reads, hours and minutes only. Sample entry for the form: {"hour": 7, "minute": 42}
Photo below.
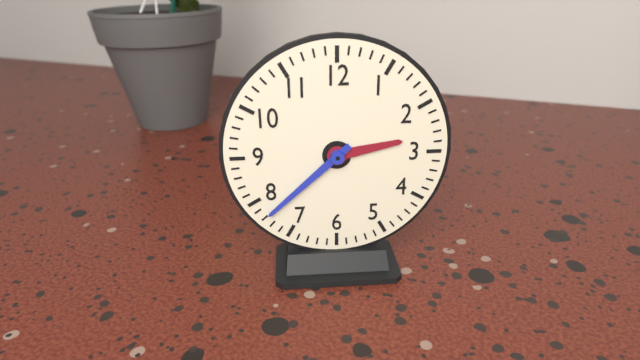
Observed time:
{"hour": 2, "minute": 38}
